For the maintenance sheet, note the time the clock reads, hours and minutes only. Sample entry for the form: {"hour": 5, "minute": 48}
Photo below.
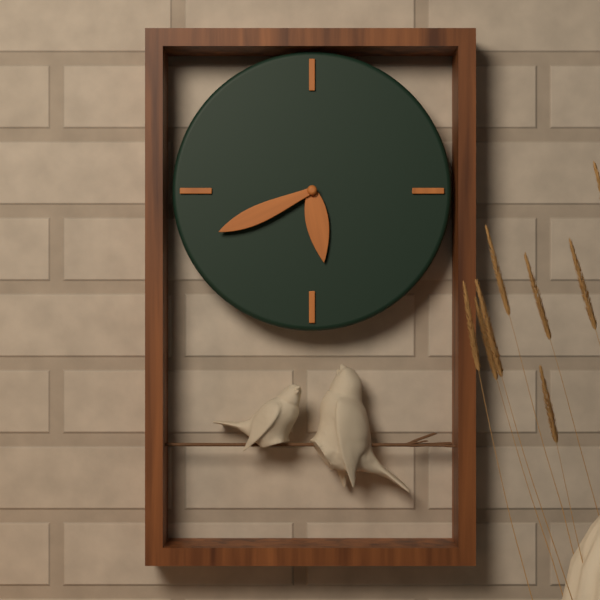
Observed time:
{"hour": 5, "minute": 41}
